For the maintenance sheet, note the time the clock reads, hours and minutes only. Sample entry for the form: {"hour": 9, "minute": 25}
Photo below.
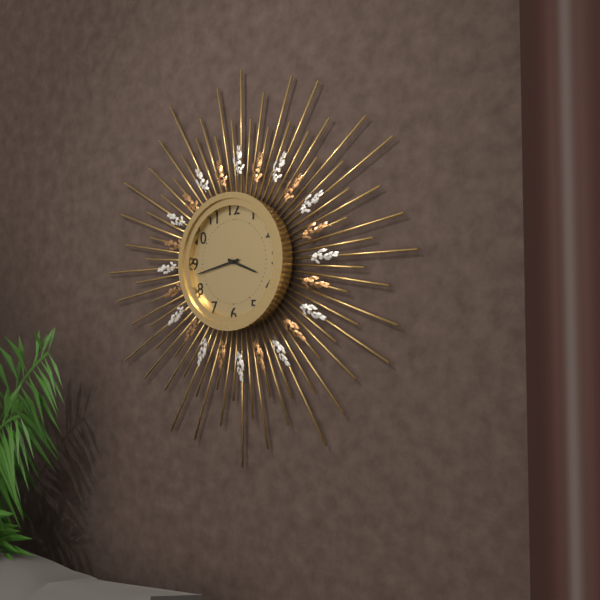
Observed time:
{"hour": 3, "minute": 43}
